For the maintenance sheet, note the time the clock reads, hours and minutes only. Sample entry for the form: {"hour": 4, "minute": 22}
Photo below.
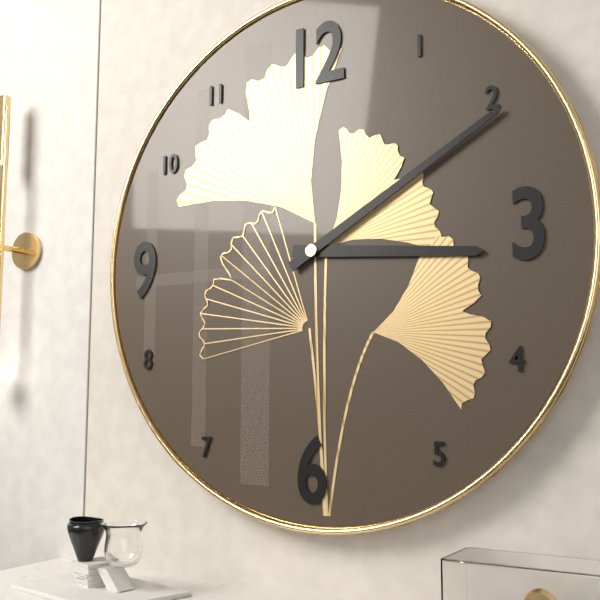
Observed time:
{"hour": 3, "minute": 10}
